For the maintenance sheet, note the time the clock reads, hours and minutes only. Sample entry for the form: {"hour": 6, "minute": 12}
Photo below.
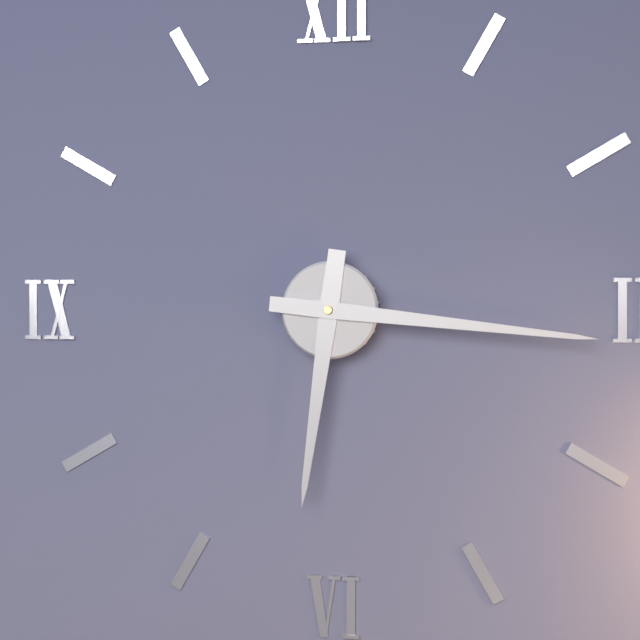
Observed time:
{"hour": 6, "minute": 16}
